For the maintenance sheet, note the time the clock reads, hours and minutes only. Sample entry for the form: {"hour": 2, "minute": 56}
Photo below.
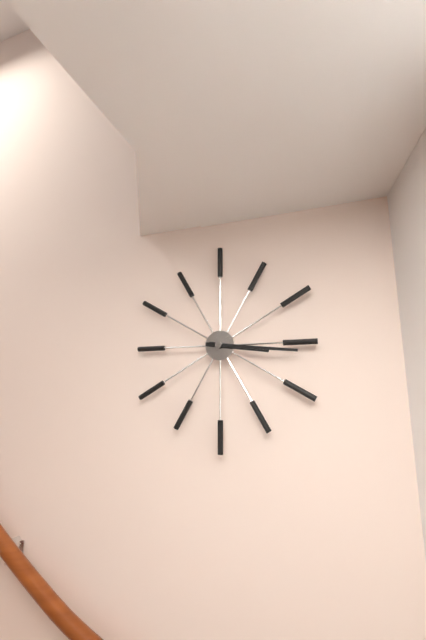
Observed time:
{"hour": 3, "minute": 16}
